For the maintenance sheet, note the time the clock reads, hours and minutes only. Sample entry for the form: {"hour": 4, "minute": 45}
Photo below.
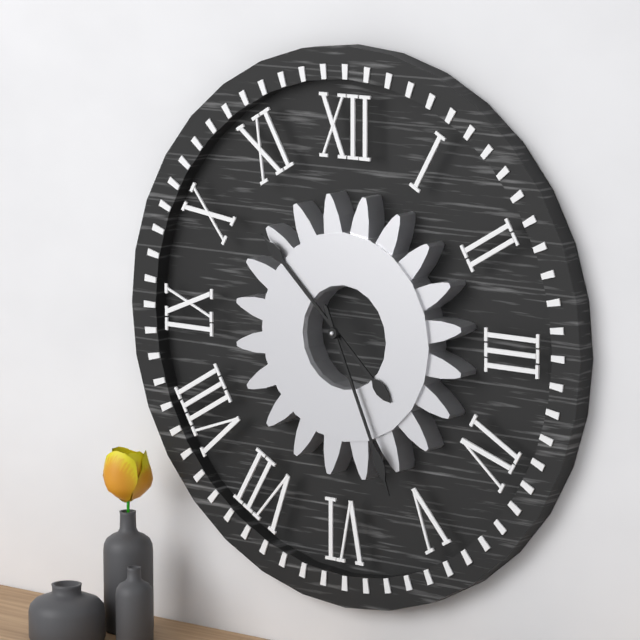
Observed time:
{"hour": 10, "minute": 26}
